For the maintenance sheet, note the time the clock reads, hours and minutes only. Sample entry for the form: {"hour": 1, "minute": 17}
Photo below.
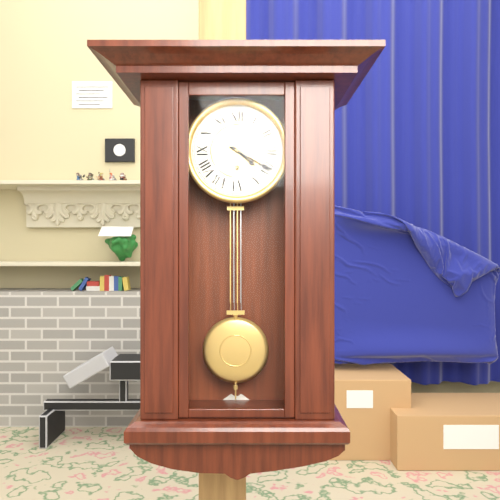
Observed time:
{"hour": 4, "minute": 20}
